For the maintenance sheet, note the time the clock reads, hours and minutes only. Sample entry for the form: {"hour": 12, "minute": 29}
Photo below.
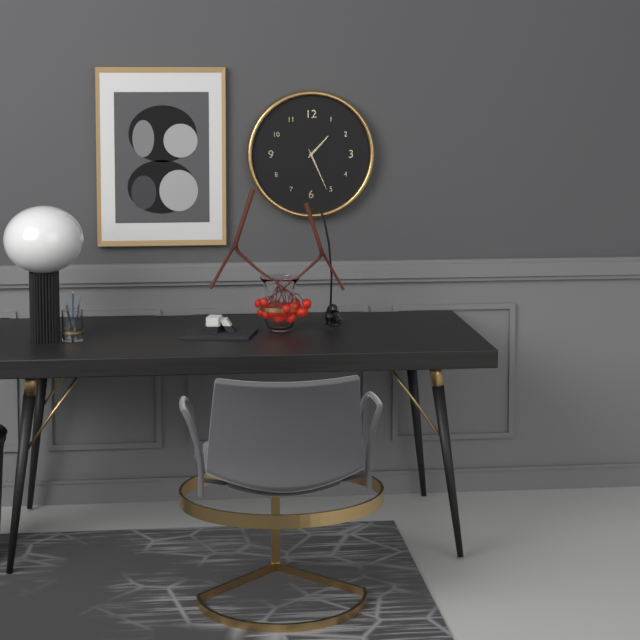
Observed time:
{"hour": 1, "minute": 26}
